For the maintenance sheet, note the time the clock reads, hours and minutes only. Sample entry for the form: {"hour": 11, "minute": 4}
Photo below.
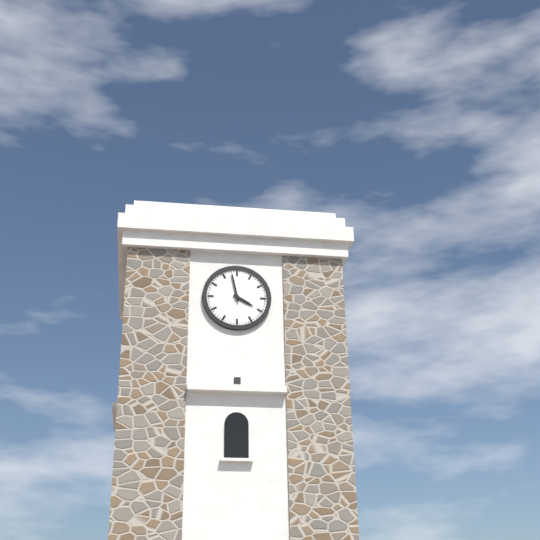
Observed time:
{"hour": 3, "minute": 58}
